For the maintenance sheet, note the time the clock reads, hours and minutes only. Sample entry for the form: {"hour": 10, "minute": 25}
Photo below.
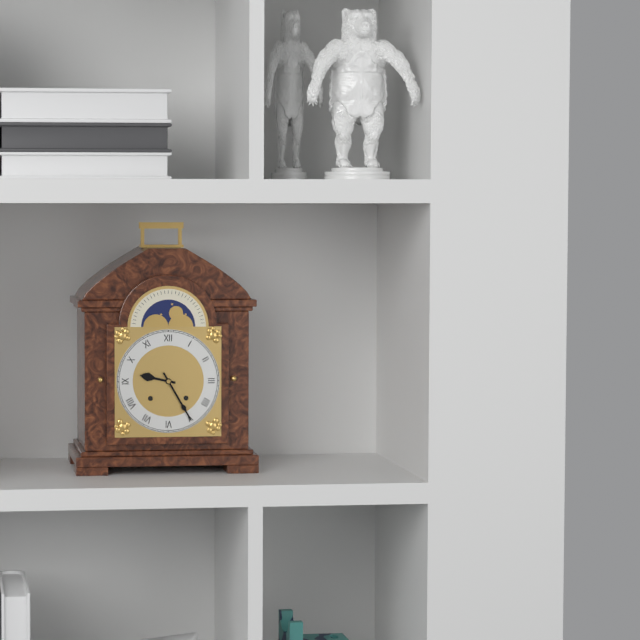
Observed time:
{"hour": 9, "minute": 25}
